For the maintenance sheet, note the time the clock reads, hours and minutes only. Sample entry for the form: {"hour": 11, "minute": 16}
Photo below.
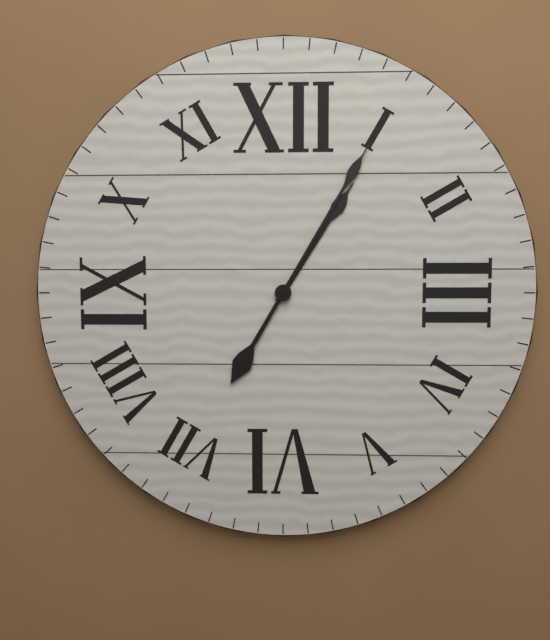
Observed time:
{"hour": 1, "minute": 5}
